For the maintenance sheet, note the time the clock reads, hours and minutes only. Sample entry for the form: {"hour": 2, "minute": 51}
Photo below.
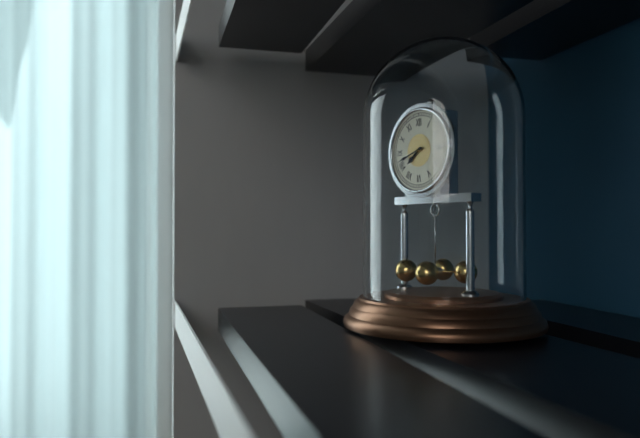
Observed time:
{"hour": 7, "minute": 42}
